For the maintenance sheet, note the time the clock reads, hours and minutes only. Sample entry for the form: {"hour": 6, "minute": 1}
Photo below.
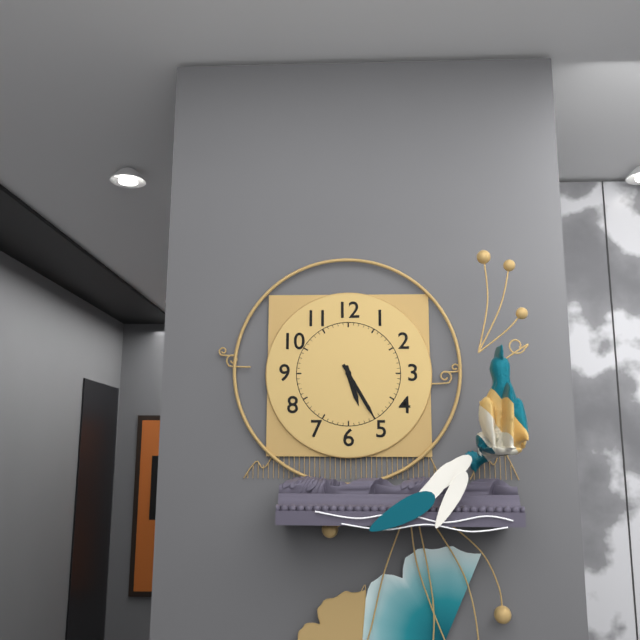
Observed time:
{"hour": 5, "minute": 25}
